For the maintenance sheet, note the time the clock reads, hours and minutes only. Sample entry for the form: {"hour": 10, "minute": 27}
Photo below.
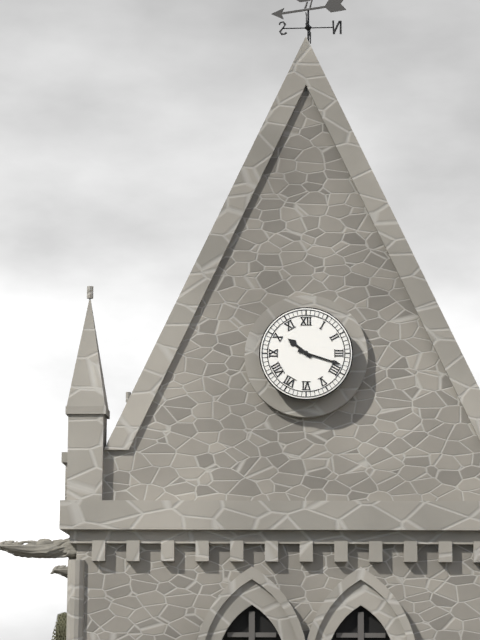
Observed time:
{"hour": 10, "minute": 18}
